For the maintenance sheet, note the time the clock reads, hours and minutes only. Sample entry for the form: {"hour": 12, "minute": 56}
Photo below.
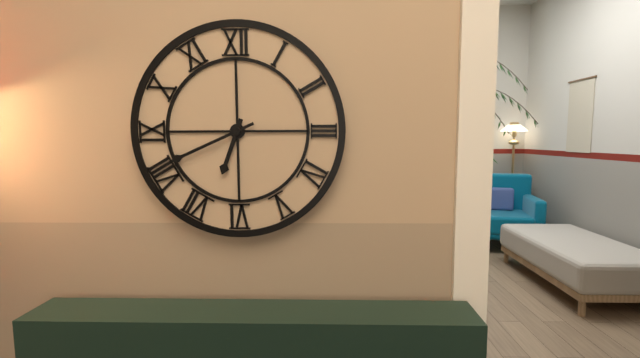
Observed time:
{"hour": 6, "minute": 41}
